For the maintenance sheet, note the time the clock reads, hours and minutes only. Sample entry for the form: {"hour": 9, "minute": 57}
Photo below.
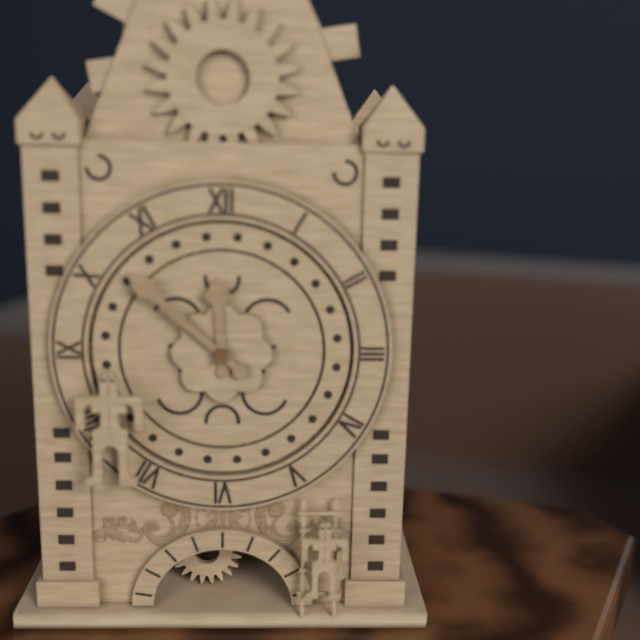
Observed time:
{"hour": 11, "minute": 52}
